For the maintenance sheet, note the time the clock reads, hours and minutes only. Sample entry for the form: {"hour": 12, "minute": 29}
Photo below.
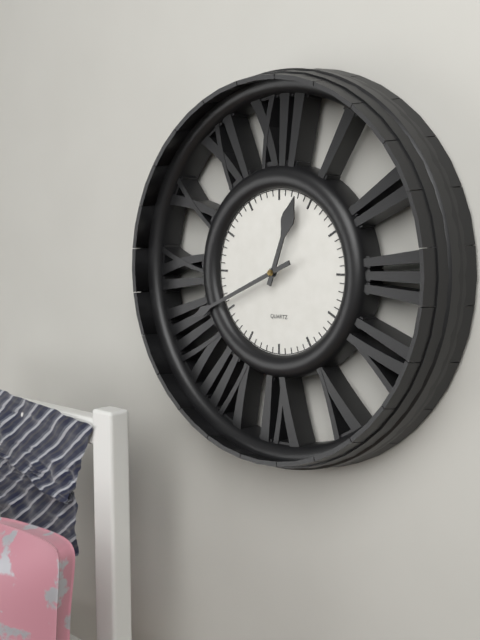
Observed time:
{"hour": 12, "minute": 41}
